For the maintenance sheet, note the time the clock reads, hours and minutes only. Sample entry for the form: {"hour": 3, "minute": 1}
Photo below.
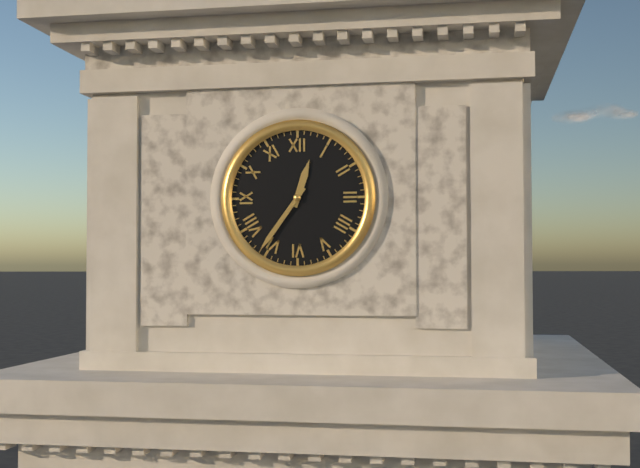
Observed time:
{"hour": 12, "minute": 36}
